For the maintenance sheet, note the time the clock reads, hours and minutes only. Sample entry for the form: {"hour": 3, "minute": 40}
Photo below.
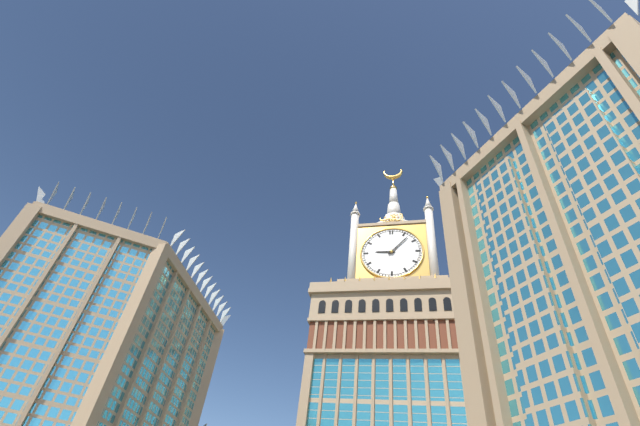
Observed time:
{"hour": 9, "minute": 7}
